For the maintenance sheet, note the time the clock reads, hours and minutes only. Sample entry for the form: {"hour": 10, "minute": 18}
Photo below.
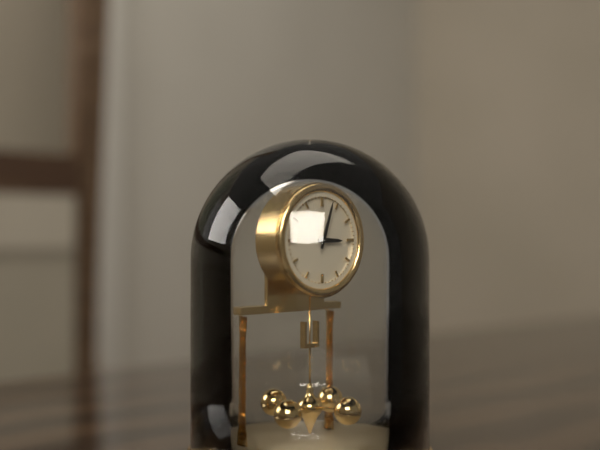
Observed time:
{"hour": 3, "minute": 3}
